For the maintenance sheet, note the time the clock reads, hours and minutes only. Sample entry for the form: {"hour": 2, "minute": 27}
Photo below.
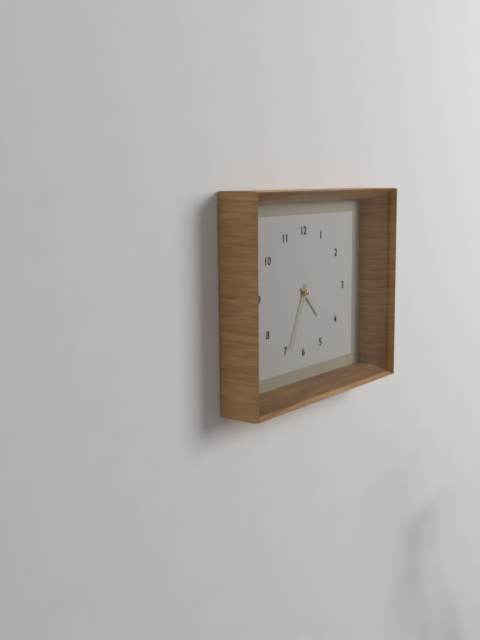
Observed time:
{"hour": 4, "minute": 34}
